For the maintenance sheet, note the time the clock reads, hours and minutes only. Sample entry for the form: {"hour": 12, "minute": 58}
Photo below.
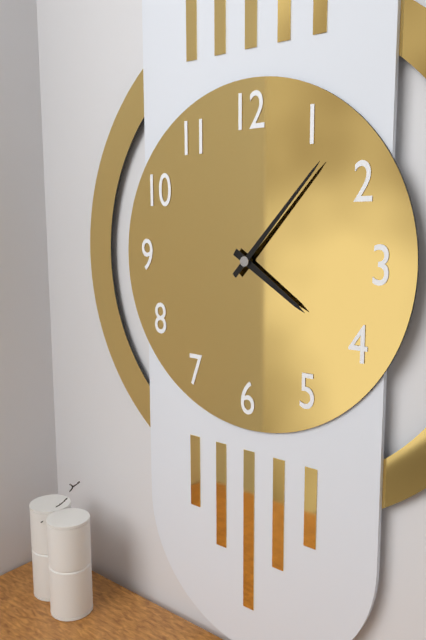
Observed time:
{"hour": 4, "minute": 7}
